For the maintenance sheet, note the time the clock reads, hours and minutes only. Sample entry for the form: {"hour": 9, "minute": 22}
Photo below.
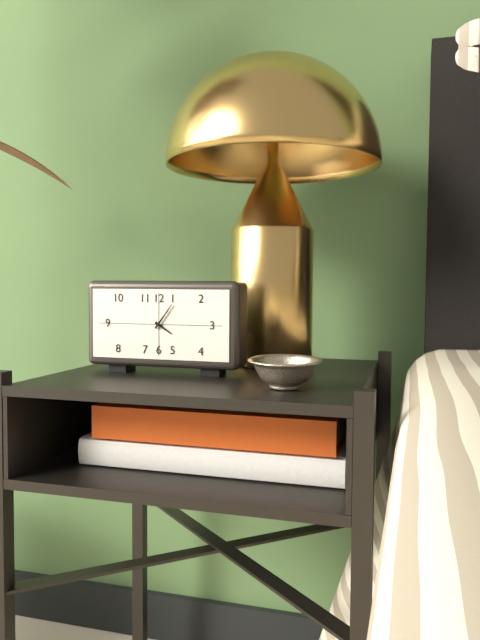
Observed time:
{"hour": 4, "minute": 6}
